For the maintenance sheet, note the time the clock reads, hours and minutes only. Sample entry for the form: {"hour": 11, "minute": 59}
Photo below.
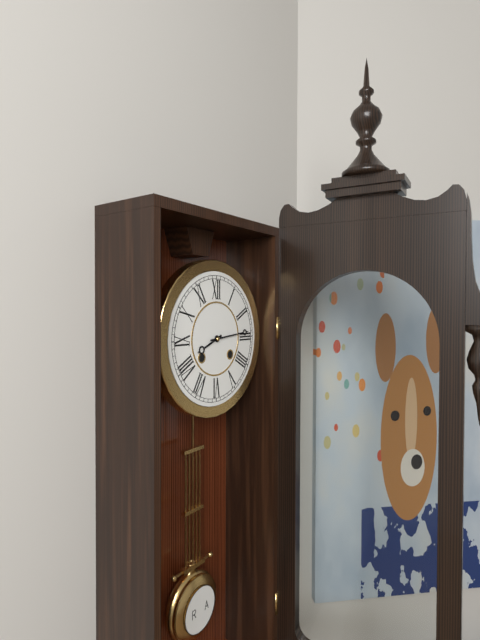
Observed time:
{"hour": 8, "minute": 14}
